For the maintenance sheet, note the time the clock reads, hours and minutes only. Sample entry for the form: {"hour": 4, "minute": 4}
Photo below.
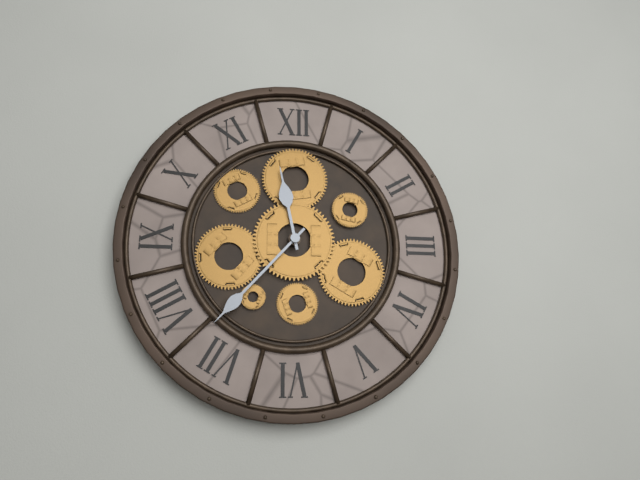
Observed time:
{"hour": 11, "minute": 37}
